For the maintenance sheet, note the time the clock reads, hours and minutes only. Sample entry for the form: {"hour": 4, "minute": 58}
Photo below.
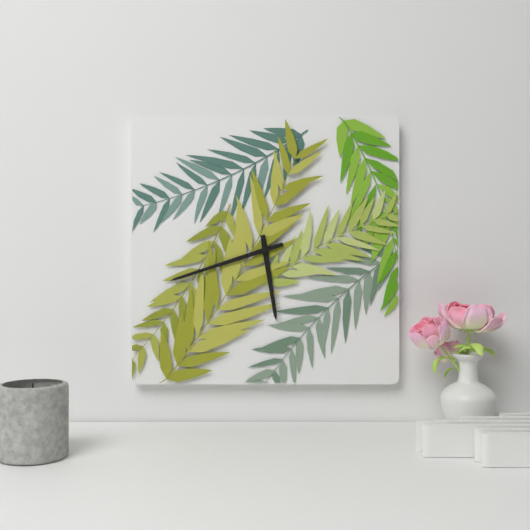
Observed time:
{"hour": 5, "minute": 42}
